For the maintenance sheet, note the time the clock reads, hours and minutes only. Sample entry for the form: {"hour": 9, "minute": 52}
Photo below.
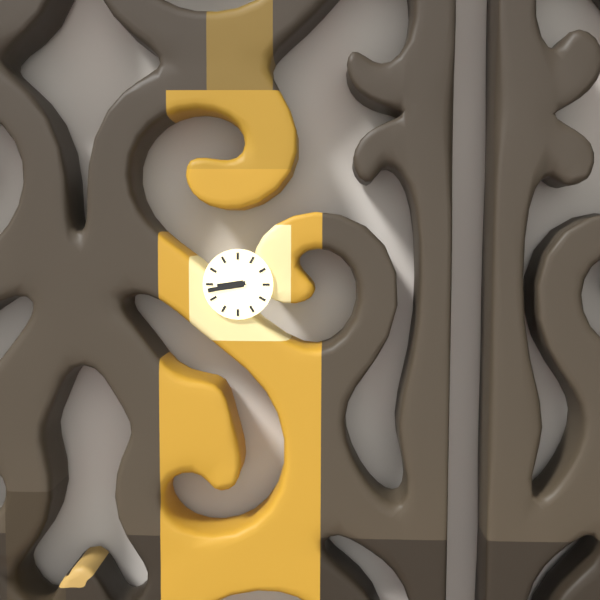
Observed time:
{"hour": 8, "minute": 43}
